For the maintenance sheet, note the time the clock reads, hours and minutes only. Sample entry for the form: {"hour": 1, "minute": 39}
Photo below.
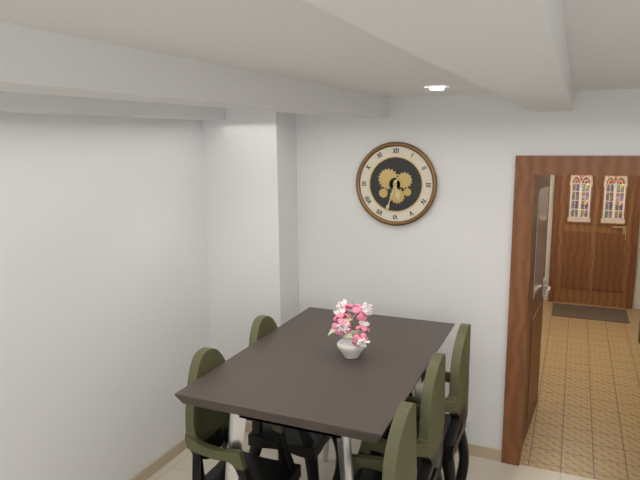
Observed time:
{"hour": 5, "minute": 33}
